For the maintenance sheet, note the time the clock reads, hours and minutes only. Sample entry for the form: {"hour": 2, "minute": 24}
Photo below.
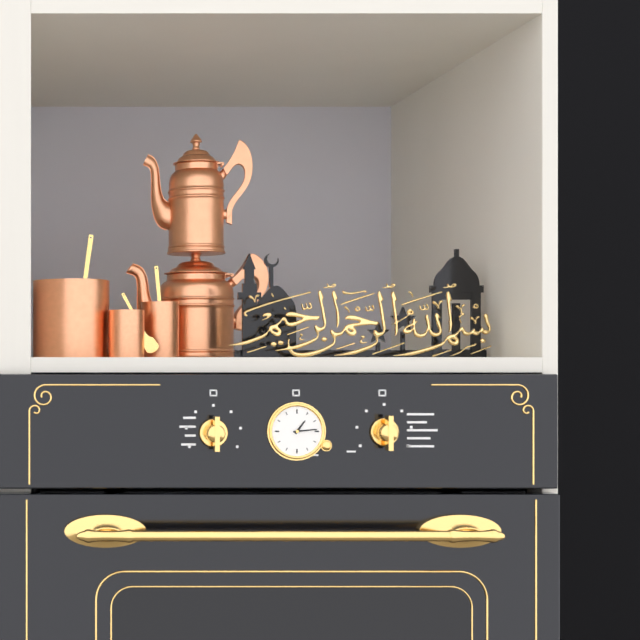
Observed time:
{"hour": 1, "minute": 14}
